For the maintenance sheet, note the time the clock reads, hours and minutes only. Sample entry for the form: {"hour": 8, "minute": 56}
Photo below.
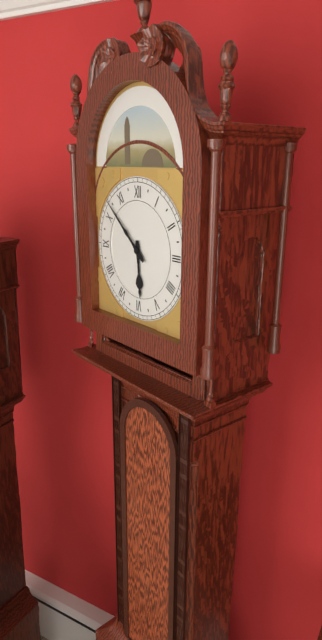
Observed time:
{"hour": 5, "minute": 52}
